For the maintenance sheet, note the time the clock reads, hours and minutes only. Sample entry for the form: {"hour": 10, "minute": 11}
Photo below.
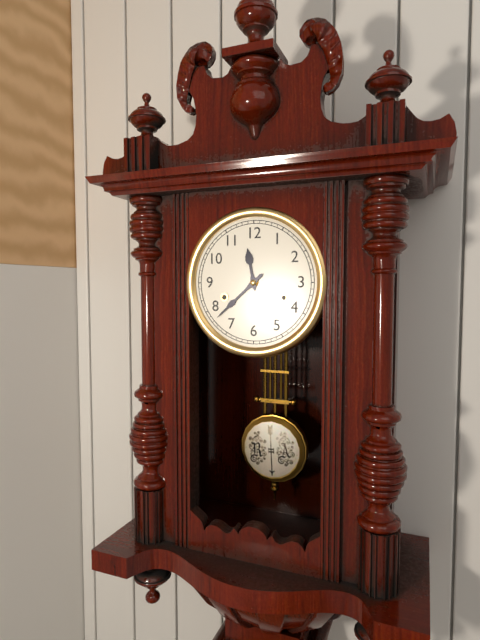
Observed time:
{"hour": 11, "minute": 38}
